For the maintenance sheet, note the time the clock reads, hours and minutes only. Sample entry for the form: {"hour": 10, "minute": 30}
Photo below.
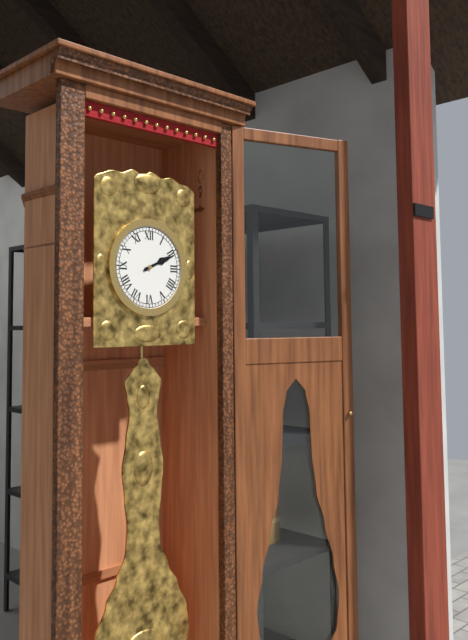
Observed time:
{"hour": 2, "minute": 11}
